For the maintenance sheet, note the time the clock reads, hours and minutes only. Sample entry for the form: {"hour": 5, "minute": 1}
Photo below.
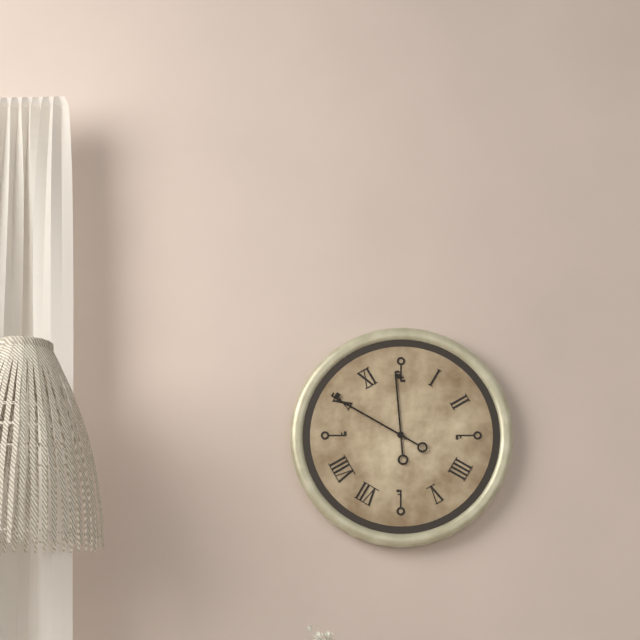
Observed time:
{"hour": 11, "minute": 50}
